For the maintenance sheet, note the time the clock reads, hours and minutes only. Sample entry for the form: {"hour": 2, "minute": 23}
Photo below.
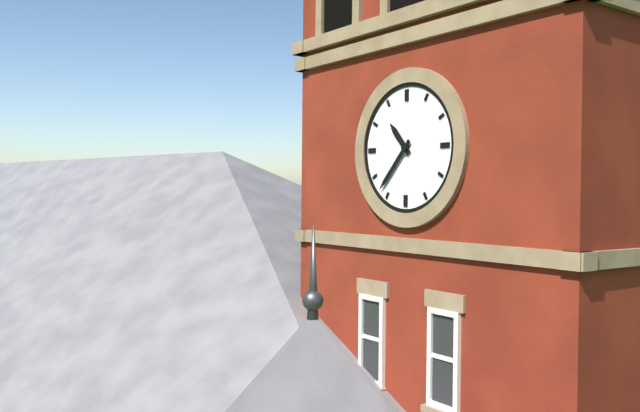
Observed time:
{"hour": 10, "minute": 37}
